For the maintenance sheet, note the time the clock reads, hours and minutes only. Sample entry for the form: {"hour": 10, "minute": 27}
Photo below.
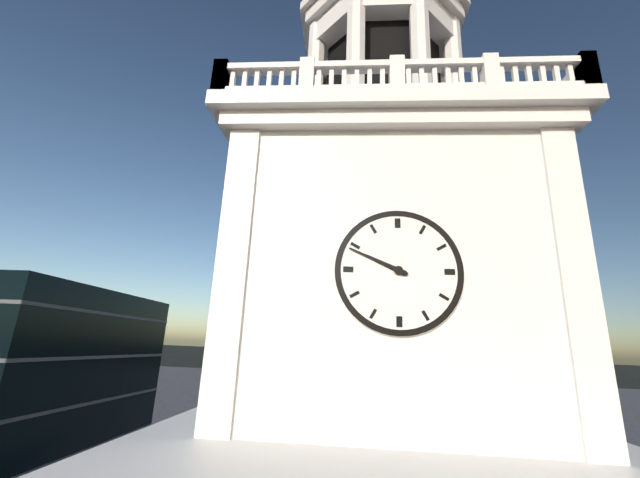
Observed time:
{"hour": 9, "minute": 49}
